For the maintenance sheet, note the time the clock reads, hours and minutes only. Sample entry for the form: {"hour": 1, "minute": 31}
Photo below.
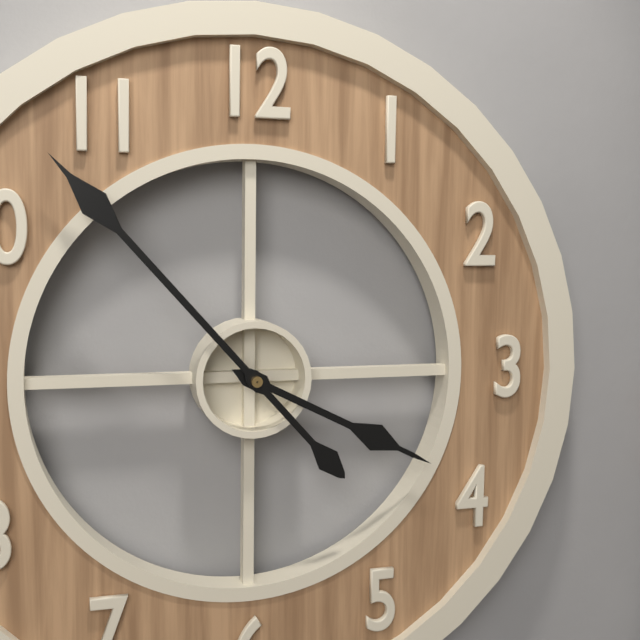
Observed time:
{"hour": 3, "minute": 53}
